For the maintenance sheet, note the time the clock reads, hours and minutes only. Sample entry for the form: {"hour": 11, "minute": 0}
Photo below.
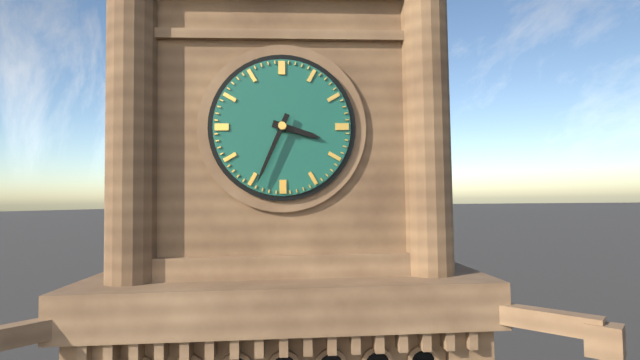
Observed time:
{"hour": 3, "minute": 34}
